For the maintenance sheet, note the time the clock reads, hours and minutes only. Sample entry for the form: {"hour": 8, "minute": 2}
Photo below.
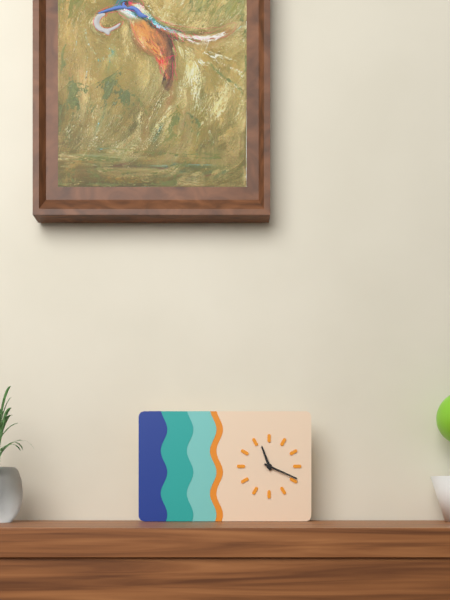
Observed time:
{"hour": 11, "minute": 19}
